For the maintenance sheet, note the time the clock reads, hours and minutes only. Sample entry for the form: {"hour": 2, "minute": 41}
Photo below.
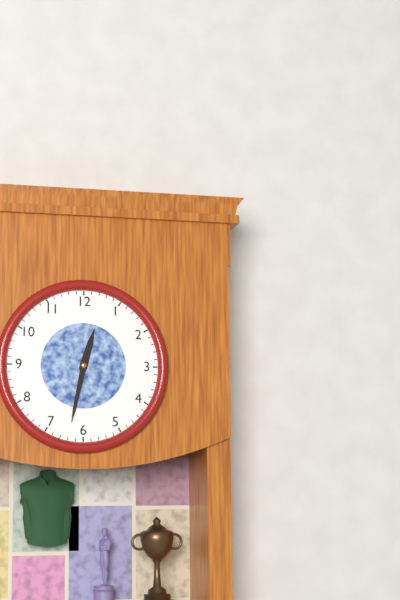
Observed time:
{"hour": 12, "minute": 32}
